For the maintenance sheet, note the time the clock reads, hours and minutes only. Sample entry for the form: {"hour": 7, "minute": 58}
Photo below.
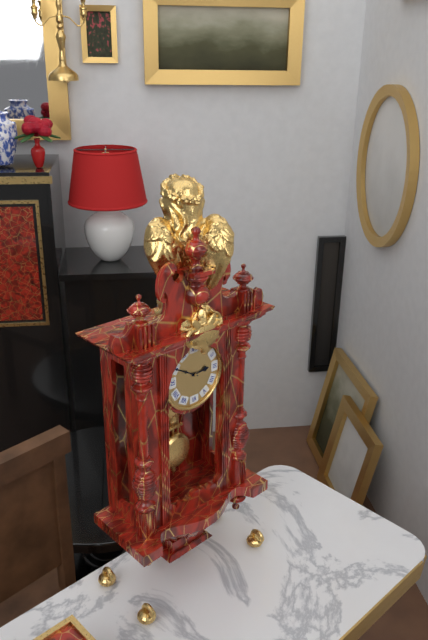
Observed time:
{"hour": 2, "minute": 50}
